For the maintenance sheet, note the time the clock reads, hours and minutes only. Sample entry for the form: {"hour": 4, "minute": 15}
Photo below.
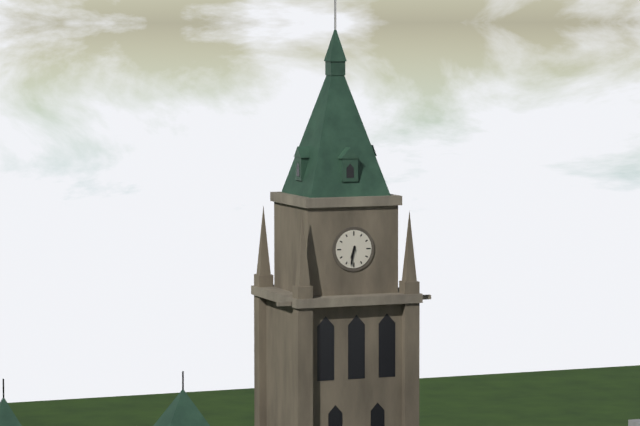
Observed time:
{"hour": 6, "minute": 32}
